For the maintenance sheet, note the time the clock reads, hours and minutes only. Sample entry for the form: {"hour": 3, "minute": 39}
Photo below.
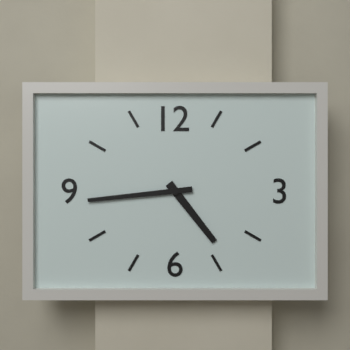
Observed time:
{"hour": 4, "minute": 44}
